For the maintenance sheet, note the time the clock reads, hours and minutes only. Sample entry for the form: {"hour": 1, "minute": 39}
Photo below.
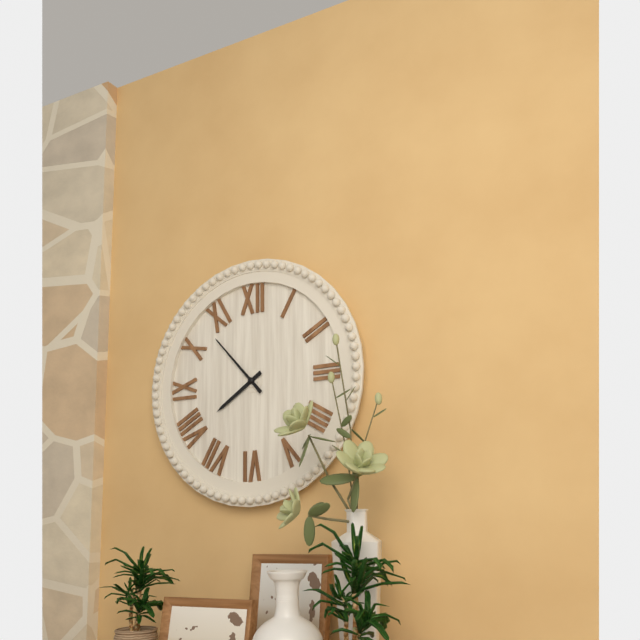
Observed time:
{"hour": 7, "minute": 53}
